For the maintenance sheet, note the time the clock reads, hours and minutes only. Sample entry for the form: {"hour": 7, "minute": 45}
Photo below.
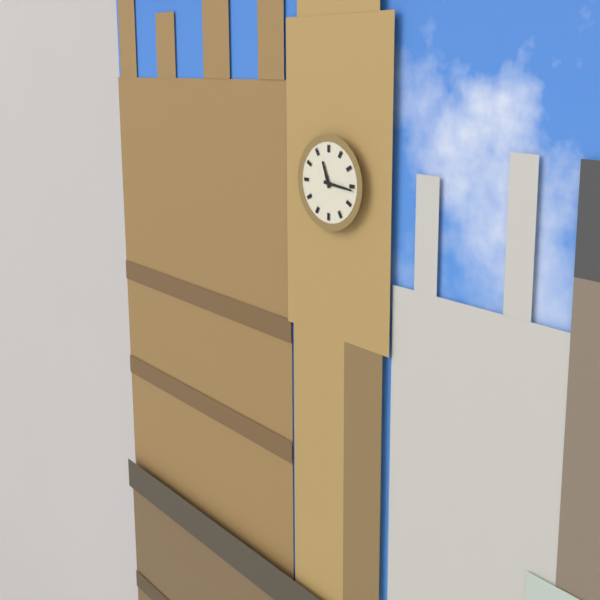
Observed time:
{"hour": 11, "minute": 16}
